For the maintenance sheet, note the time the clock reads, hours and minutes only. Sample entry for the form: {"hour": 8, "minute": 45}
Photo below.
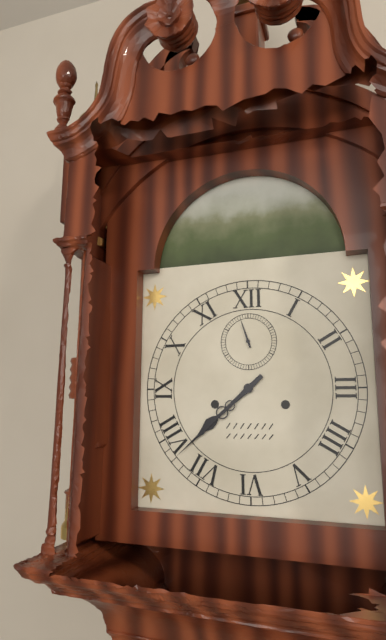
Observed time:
{"hour": 7, "minute": 38}
